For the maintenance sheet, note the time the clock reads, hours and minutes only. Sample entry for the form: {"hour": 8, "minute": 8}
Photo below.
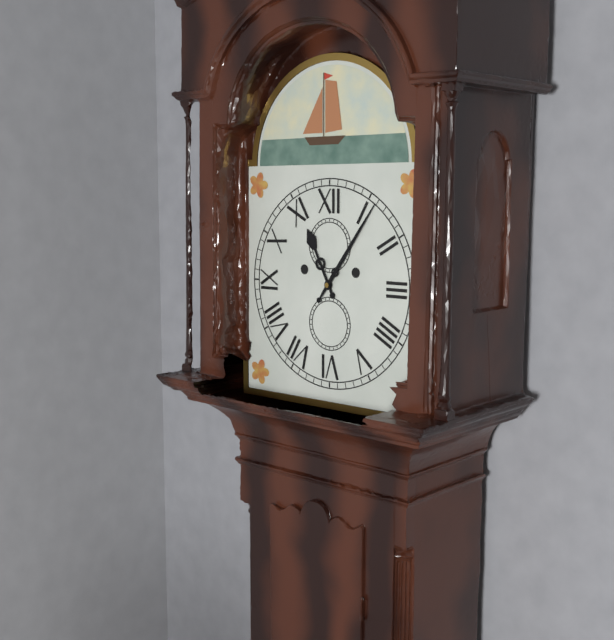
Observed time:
{"hour": 11, "minute": 6}
